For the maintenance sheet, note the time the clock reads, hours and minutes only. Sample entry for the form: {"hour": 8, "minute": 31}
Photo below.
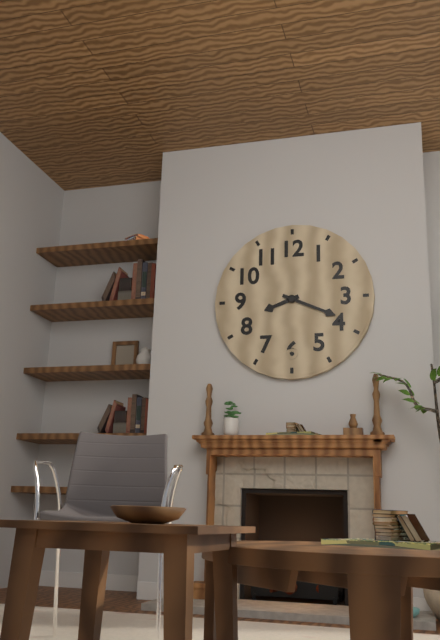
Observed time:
{"hour": 8, "minute": 19}
